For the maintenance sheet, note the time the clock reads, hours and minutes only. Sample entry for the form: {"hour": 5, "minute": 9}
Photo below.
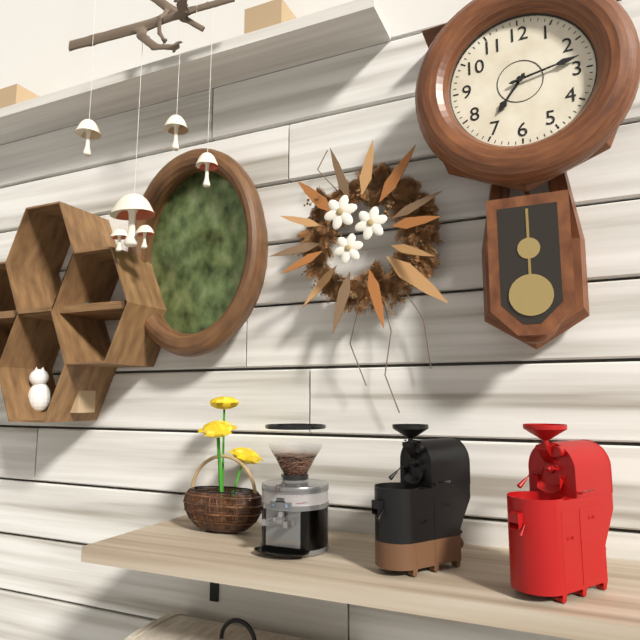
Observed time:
{"hour": 7, "minute": 13}
